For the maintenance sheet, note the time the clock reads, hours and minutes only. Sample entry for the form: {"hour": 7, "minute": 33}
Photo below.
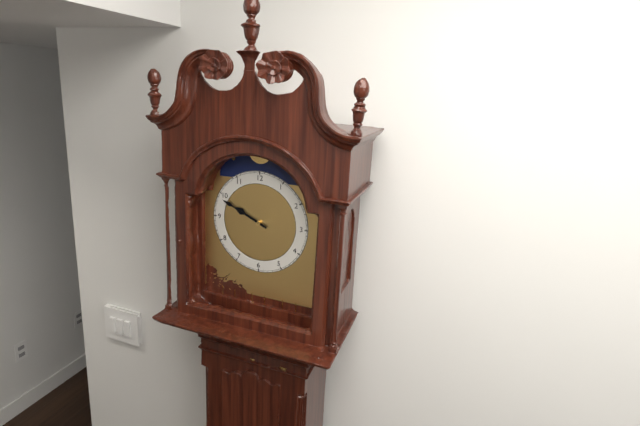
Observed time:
{"hour": 9, "minute": 49}
